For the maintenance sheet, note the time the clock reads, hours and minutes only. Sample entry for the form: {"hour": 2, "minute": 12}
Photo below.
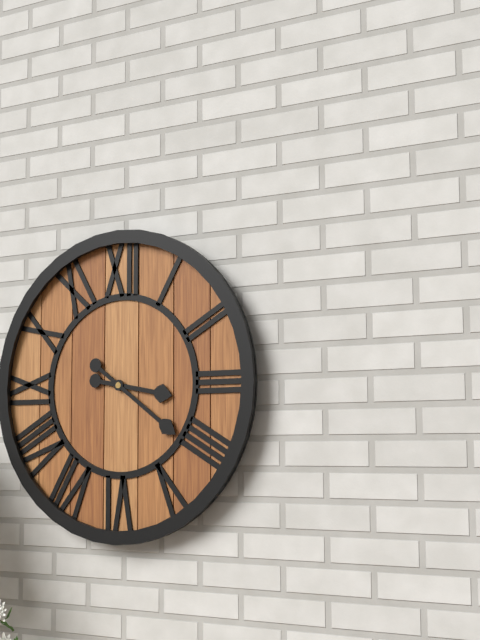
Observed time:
{"hour": 3, "minute": 21}
